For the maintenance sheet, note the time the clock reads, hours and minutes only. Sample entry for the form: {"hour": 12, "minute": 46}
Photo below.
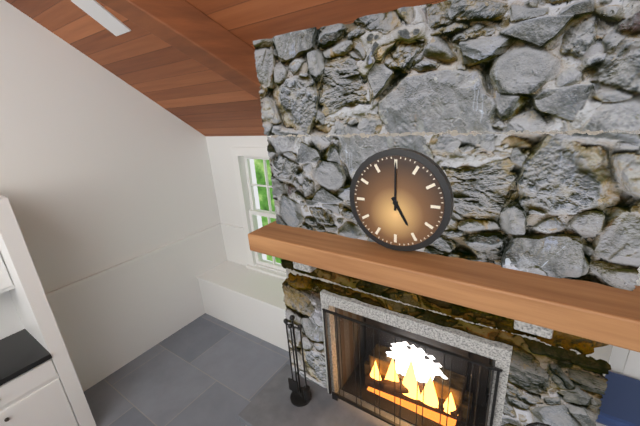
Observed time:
{"hour": 5, "minute": 0}
